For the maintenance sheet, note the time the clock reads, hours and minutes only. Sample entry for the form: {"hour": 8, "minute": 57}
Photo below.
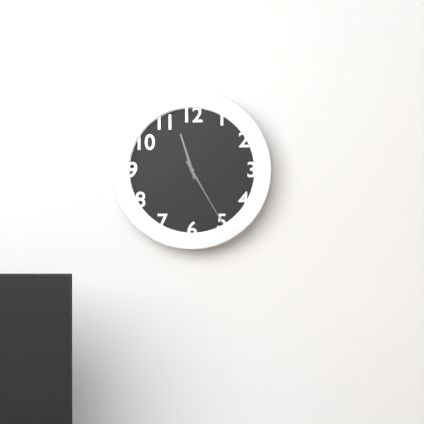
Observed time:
{"hour": 11, "minute": 25}
